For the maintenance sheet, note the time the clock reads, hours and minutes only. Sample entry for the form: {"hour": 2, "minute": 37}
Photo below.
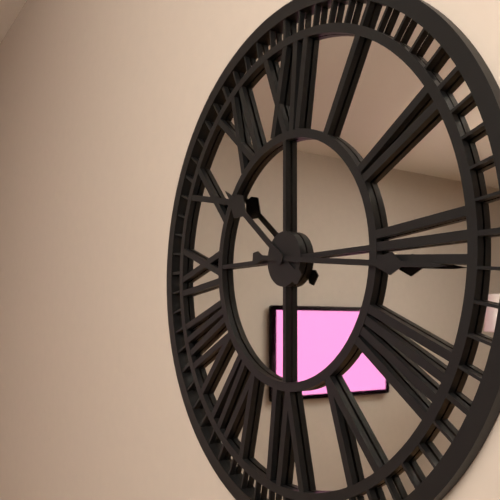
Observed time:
{"hour": 10, "minute": 16}
